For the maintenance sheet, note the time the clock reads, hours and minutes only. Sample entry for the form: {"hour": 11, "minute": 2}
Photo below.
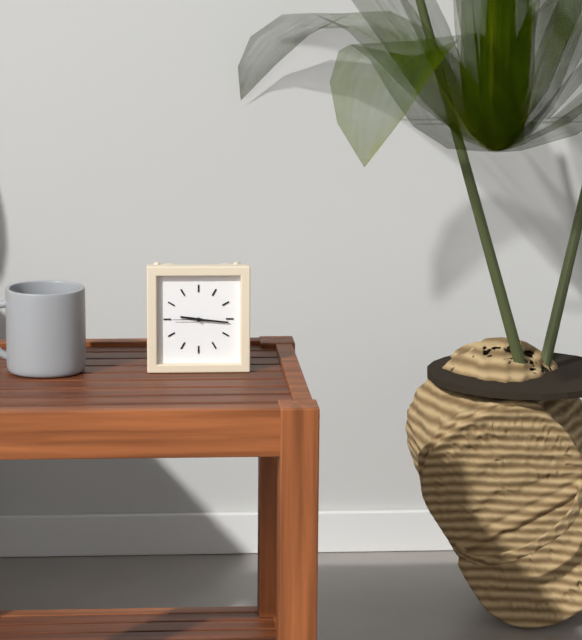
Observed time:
{"hour": 9, "minute": 16}
